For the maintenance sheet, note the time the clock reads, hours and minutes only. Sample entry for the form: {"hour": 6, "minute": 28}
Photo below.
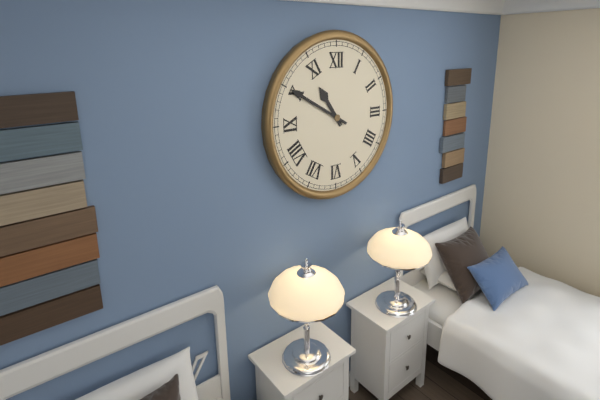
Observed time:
{"hour": 10, "minute": 50}
